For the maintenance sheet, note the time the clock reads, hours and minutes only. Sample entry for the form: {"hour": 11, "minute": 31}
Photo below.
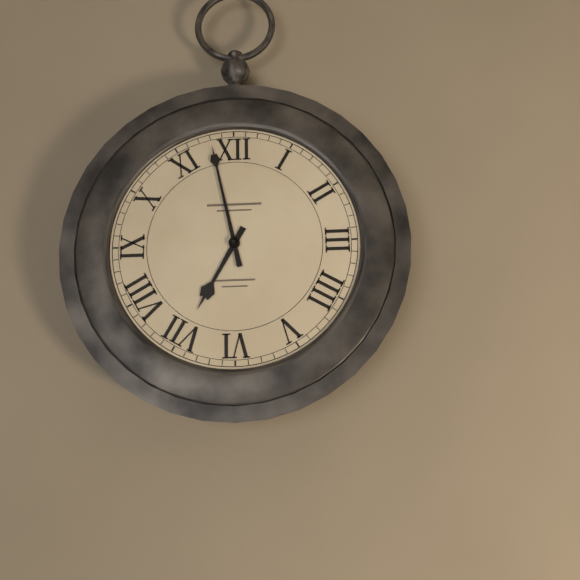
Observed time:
{"hour": 6, "minute": 58}
